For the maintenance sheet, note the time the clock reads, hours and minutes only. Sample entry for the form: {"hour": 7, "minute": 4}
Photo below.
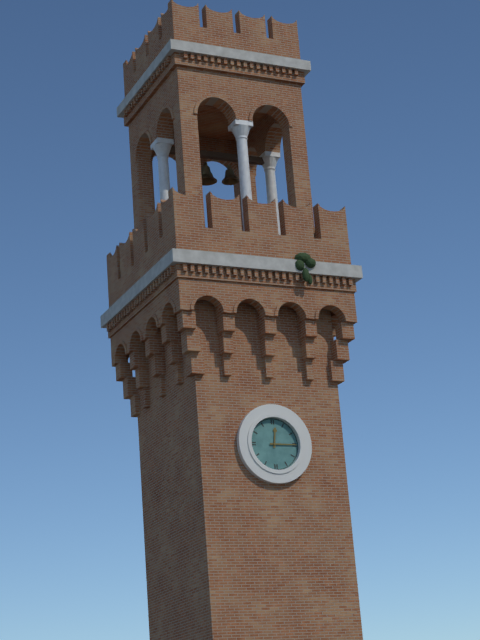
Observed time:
{"hour": 12, "minute": 15}
